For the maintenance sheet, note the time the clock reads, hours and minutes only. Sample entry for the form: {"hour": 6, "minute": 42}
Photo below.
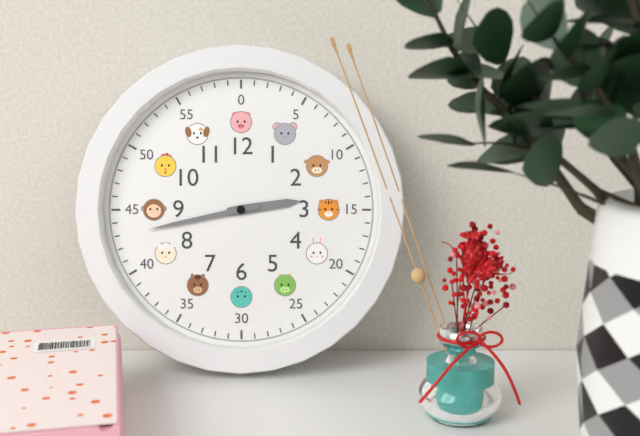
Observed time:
{"hour": 2, "minute": 43}
